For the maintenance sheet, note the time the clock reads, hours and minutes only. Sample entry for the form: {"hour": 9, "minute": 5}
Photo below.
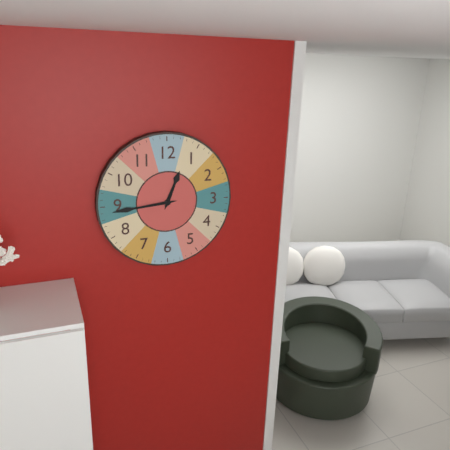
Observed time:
{"hour": 12, "minute": 44}
